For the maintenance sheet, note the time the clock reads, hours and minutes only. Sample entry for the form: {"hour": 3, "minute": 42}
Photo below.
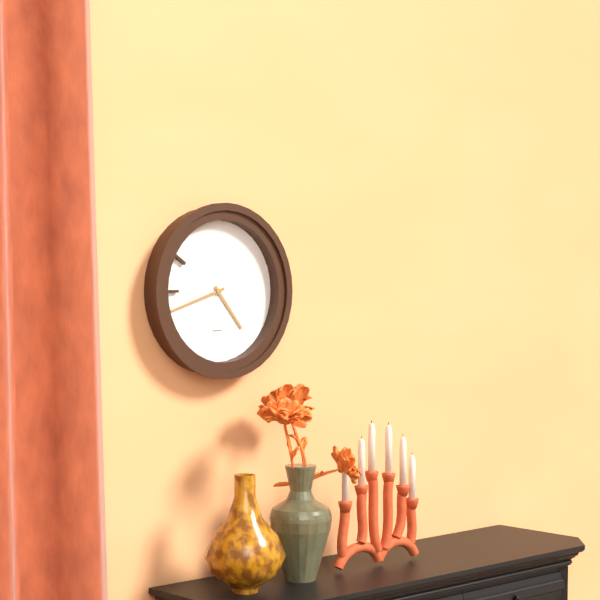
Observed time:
{"hour": 4, "minute": 42}
